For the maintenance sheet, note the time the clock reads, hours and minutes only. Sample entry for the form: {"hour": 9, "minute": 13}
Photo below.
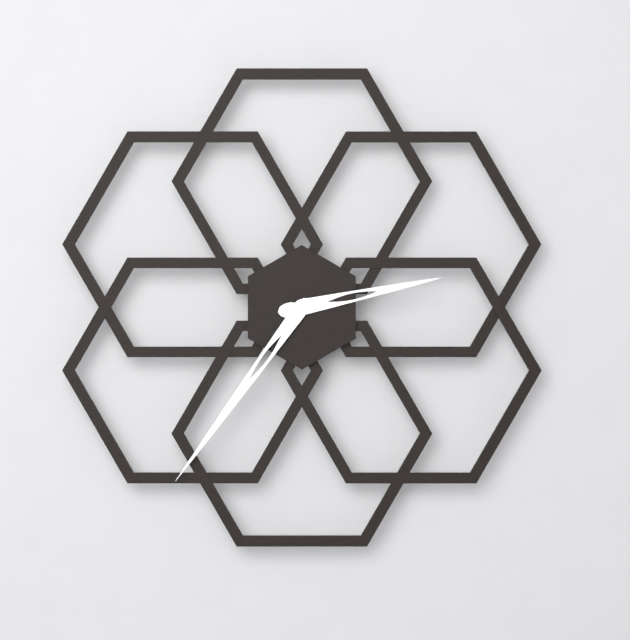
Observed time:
{"hour": 2, "minute": 36}
